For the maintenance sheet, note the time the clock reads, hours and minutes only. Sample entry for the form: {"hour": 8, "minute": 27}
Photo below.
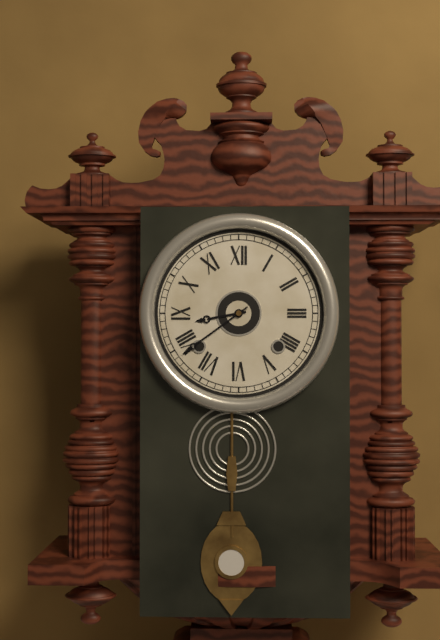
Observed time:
{"hour": 8, "minute": 39}
